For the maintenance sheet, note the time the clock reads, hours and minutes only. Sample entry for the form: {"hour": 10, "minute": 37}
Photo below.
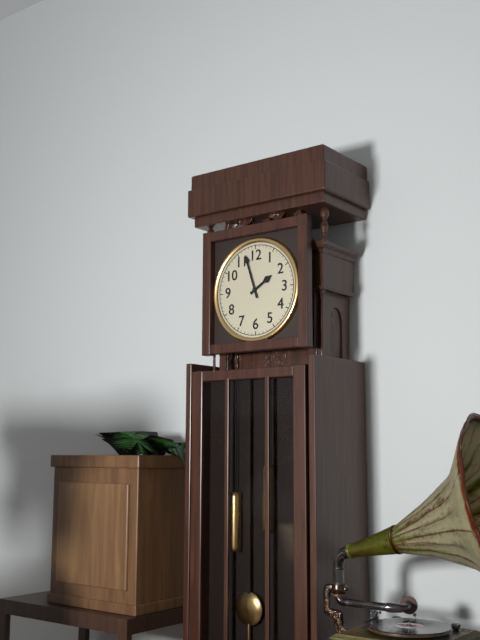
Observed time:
{"hour": 1, "minute": 57}
